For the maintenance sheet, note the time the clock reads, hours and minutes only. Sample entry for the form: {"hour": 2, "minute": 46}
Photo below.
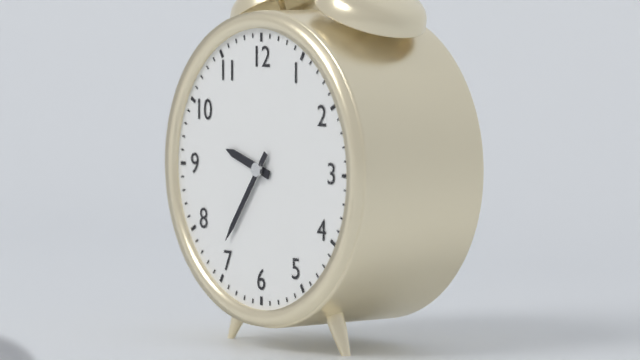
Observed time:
{"hour": 9, "minute": 36}
